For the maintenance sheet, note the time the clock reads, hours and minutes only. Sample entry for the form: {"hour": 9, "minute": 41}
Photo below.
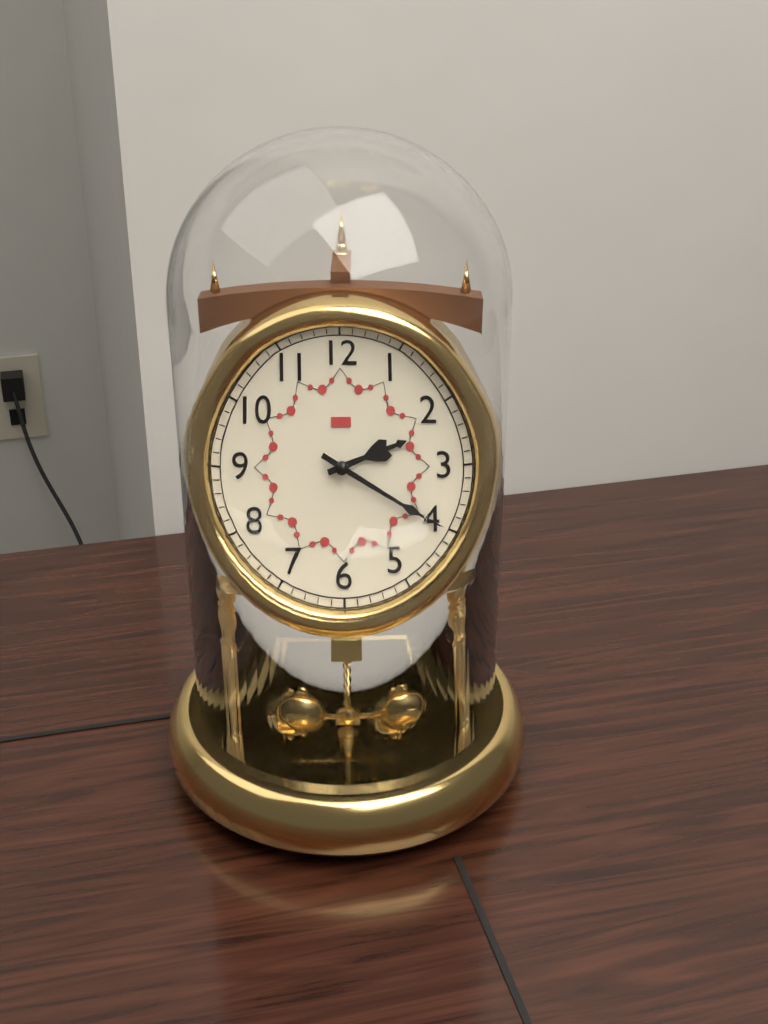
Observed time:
{"hour": 2, "minute": 20}
